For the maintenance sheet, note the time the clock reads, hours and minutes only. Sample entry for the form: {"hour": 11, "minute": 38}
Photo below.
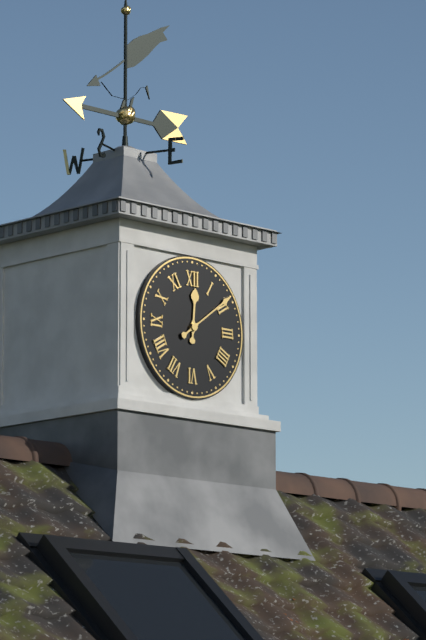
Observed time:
{"hour": 12, "minute": 9}
